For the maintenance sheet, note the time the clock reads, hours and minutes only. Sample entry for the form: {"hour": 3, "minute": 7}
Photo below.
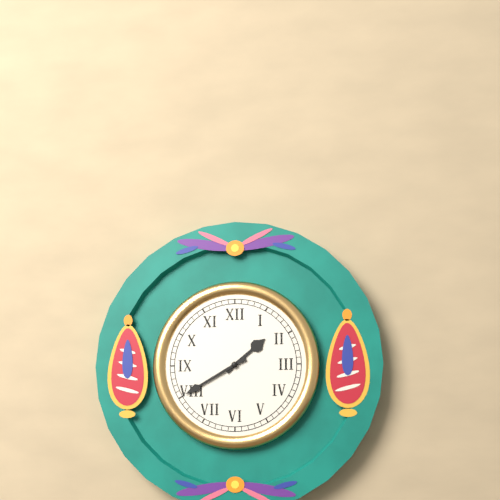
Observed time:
{"hour": 1, "minute": 40}
